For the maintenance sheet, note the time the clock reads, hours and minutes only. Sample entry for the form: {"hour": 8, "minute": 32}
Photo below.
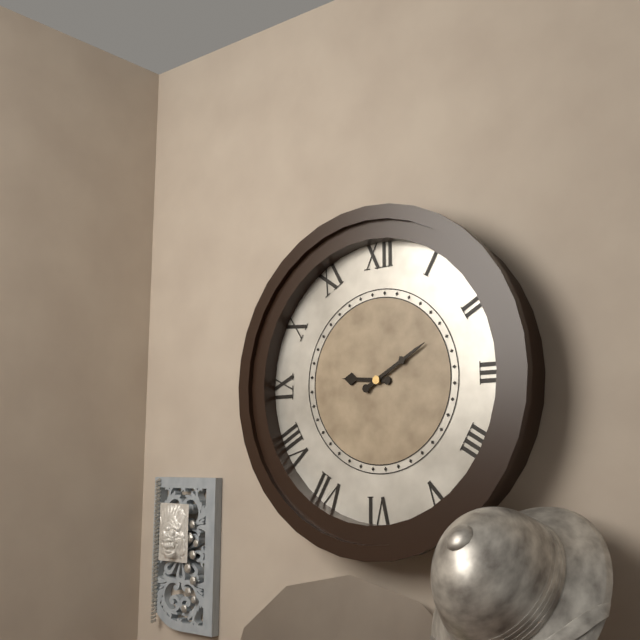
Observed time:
{"hour": 9, "minute": 10}
